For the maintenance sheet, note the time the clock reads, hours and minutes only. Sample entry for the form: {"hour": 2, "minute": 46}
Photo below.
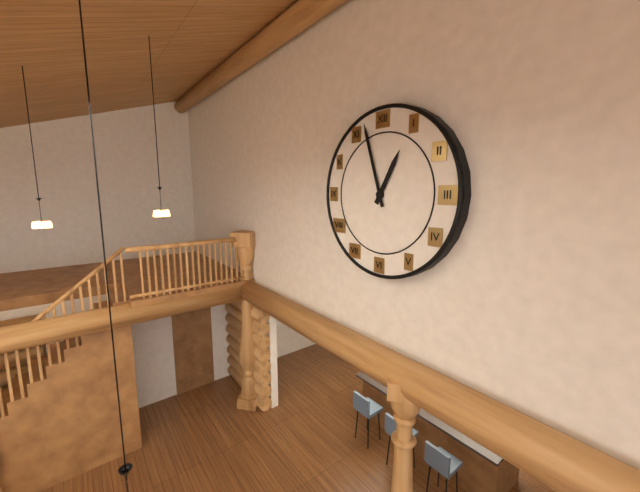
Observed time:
{"hour": 12, "minute": 57}
